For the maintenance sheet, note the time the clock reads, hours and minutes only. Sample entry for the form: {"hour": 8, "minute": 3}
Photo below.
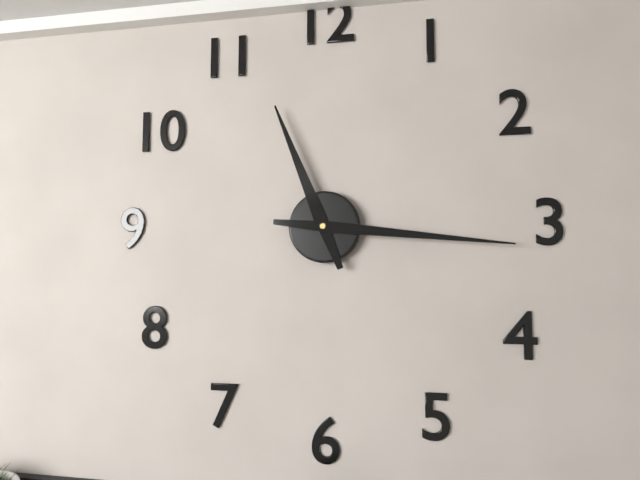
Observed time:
{"hour": 11, "minute": 16}
